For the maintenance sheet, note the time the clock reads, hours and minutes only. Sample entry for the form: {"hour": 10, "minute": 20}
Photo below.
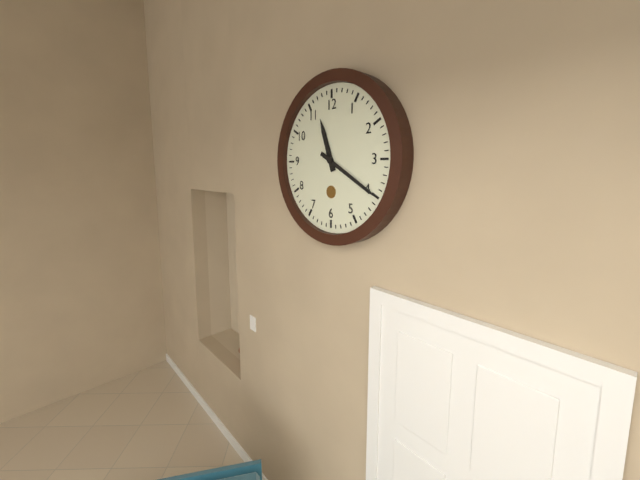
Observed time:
{"hour": 11, "minute": 20}
